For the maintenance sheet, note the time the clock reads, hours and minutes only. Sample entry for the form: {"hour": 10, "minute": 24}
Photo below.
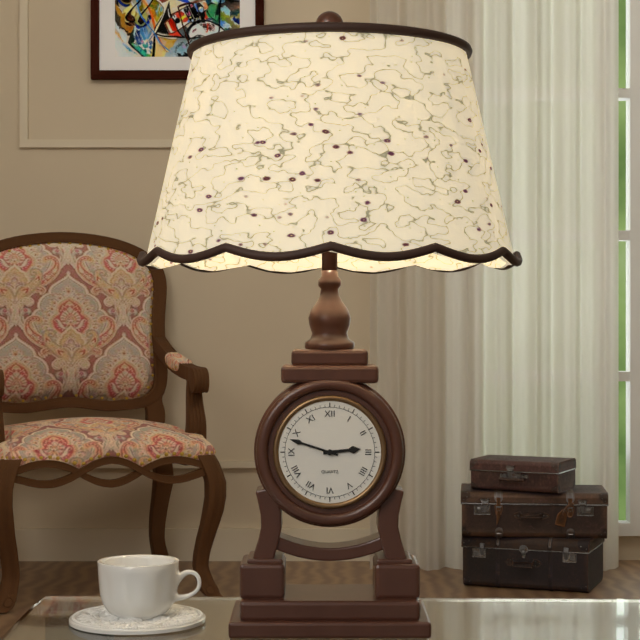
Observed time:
{"hour": 2, "minute": 48}
